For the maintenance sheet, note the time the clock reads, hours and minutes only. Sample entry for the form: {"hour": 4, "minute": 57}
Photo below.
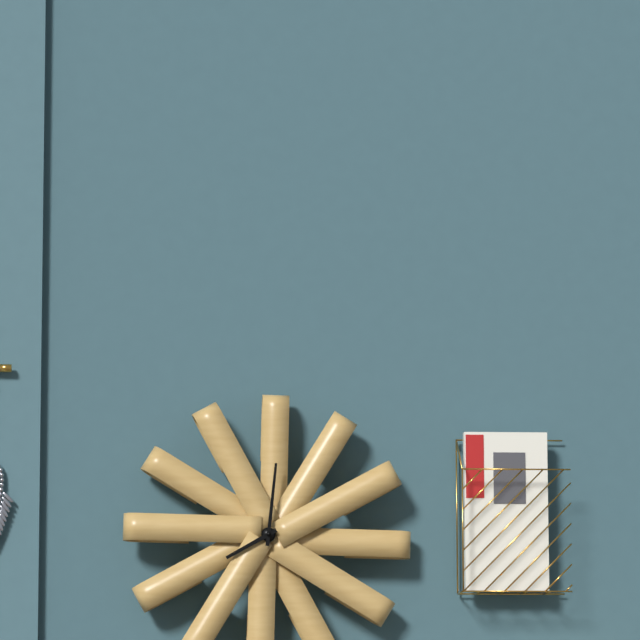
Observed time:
{"hour": 8, "minute": 1}
